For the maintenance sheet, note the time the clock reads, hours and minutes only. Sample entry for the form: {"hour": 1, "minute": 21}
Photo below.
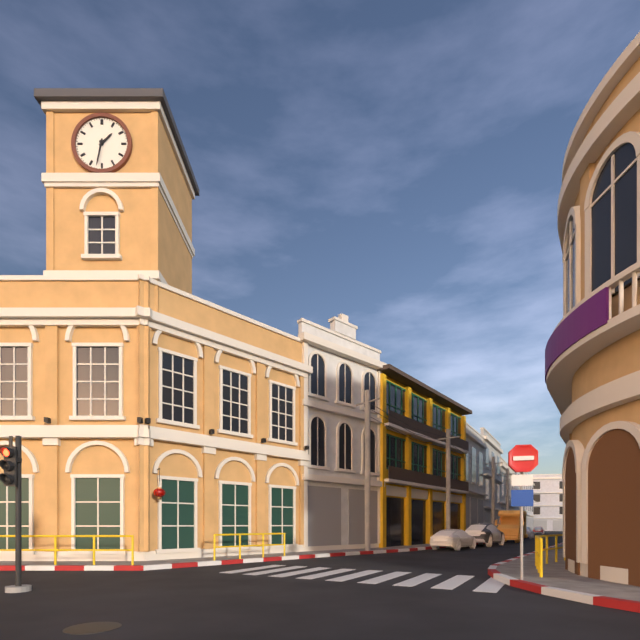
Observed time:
{"hour": 1, "minute": 32}
